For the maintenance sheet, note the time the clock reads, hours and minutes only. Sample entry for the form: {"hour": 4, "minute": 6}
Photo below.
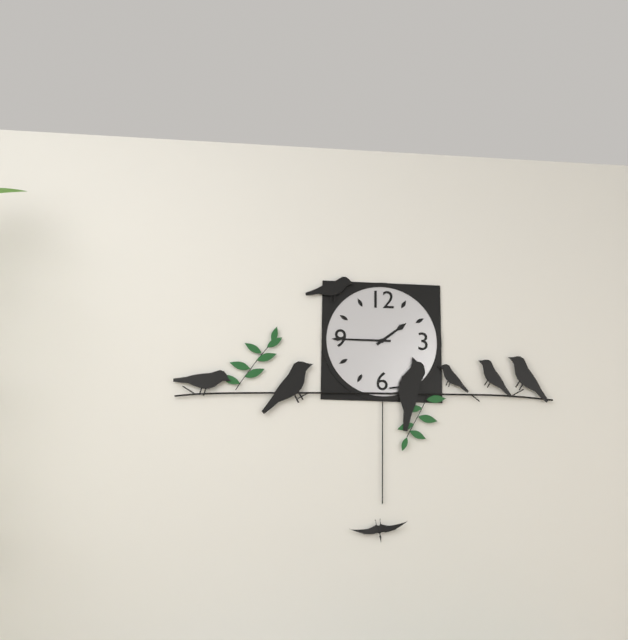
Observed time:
{"hour": 1, "minute": 45}
